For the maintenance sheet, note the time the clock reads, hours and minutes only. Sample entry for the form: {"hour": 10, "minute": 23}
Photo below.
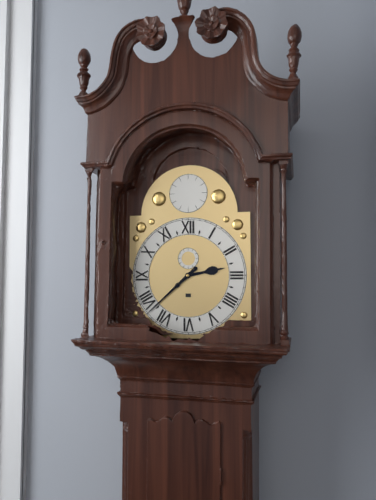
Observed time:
{"hour": 2, "minute": 38}
